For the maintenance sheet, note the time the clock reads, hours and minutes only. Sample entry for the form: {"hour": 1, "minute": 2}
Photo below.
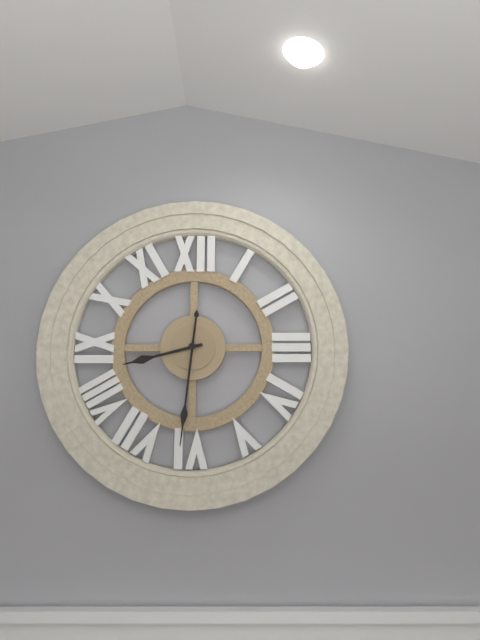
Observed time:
{"hour": 8, "minute": 31}
